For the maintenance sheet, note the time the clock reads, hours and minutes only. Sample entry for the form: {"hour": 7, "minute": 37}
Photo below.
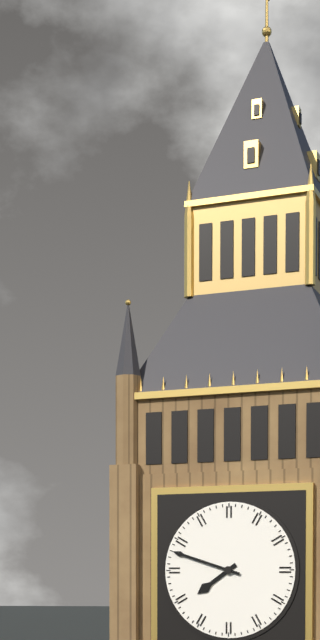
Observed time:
{"hour": 7, "minute": 48}
